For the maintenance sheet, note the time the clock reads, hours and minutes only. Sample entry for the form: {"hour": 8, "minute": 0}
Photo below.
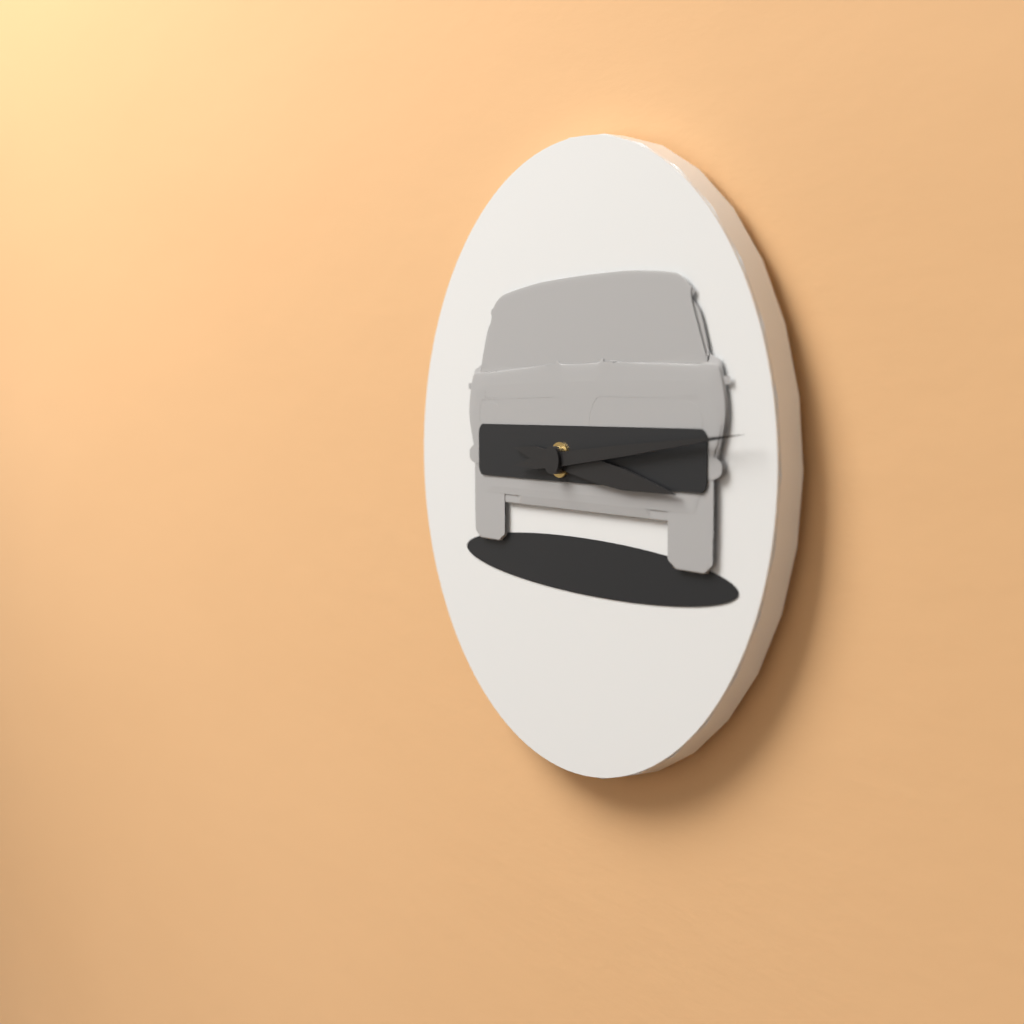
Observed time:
{"hour": 3, "minute": 14}
